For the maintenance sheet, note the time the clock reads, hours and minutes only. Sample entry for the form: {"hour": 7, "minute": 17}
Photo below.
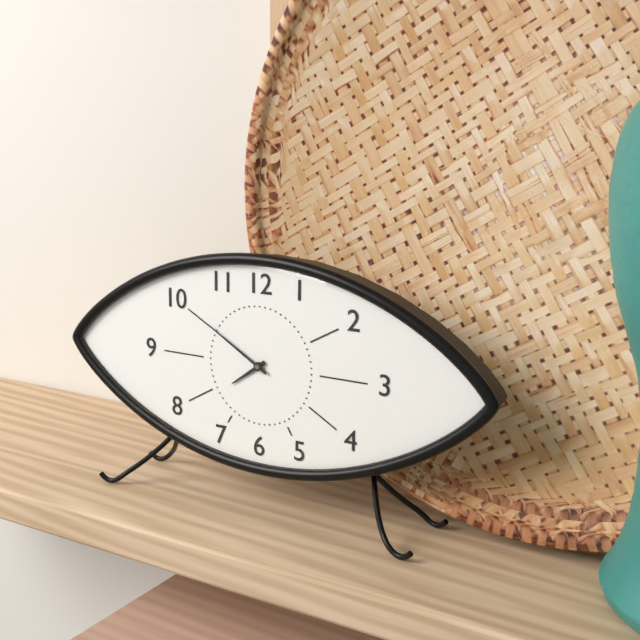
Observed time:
{"hour": 7, "minute": 50}
